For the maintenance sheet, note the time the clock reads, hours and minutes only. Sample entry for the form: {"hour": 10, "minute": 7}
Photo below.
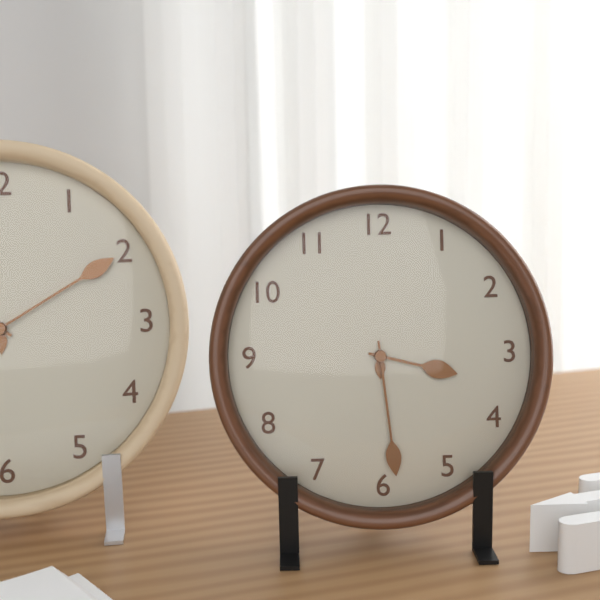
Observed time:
{"hour": 3, "minute": 29}
